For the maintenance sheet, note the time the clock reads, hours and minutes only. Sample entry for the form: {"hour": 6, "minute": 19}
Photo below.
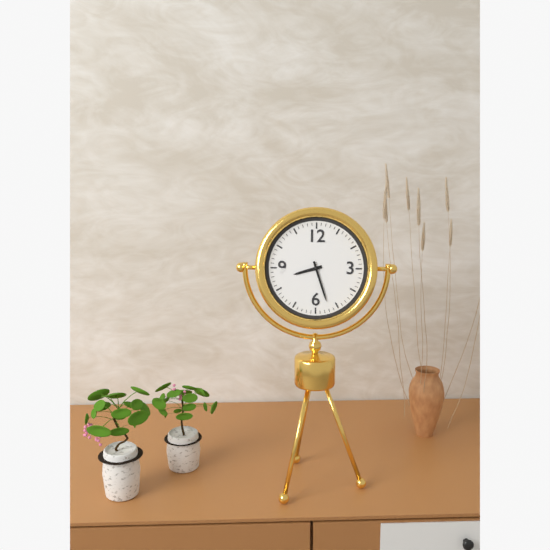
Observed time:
{"hour": 8, "minute": 27}
